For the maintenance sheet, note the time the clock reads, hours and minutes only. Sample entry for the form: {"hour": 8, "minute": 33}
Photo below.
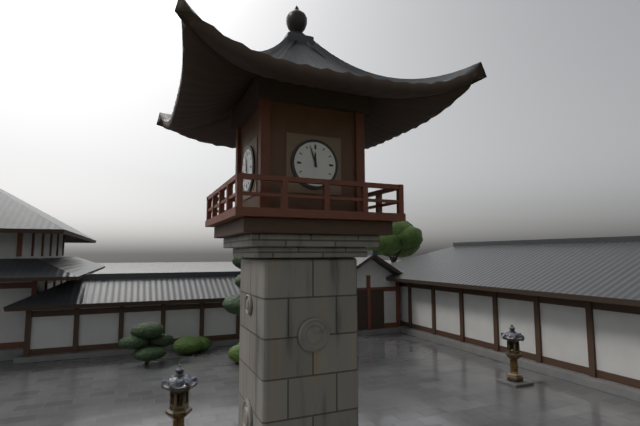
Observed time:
{"hour": 11, "minute": 57}
